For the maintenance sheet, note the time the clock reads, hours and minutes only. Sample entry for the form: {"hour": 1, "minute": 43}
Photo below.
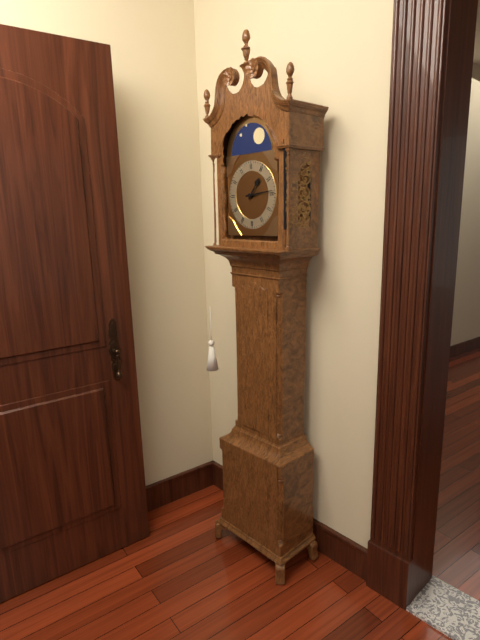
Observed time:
{"hour": 1, "minute": 14}
